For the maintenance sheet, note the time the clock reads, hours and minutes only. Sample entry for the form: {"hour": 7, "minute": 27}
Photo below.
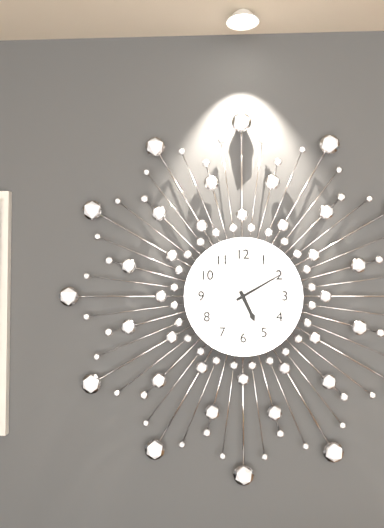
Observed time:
{"hour": 5, "minute": 10}
